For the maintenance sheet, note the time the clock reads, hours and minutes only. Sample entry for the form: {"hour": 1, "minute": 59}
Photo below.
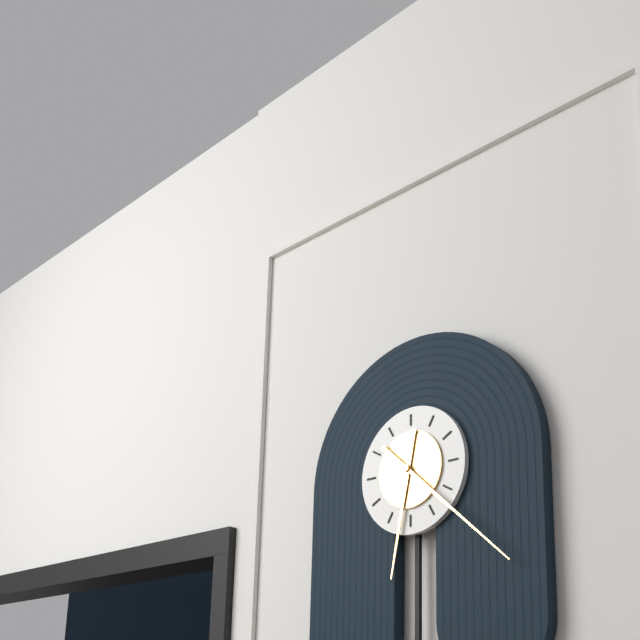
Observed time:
{"hour": 6, "minute": 22}
